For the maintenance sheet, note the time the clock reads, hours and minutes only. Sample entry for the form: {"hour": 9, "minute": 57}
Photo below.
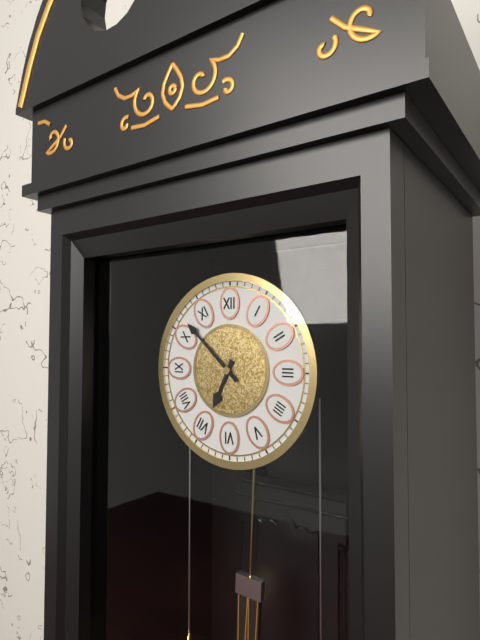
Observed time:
{"hour": 6, "minute": 52}
